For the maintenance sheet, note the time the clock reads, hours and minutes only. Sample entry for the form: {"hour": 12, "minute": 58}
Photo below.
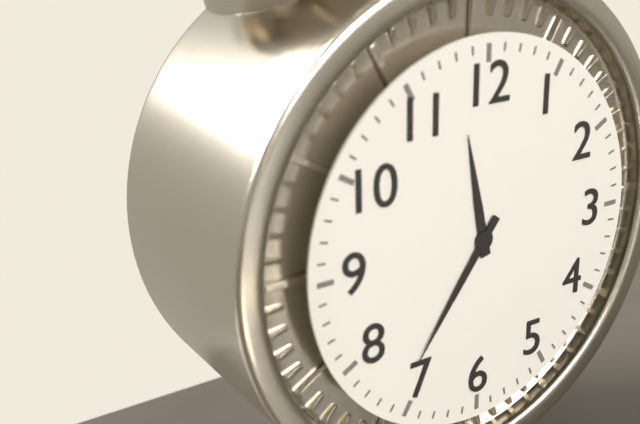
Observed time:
{"hour": 11, "minute": 36}
